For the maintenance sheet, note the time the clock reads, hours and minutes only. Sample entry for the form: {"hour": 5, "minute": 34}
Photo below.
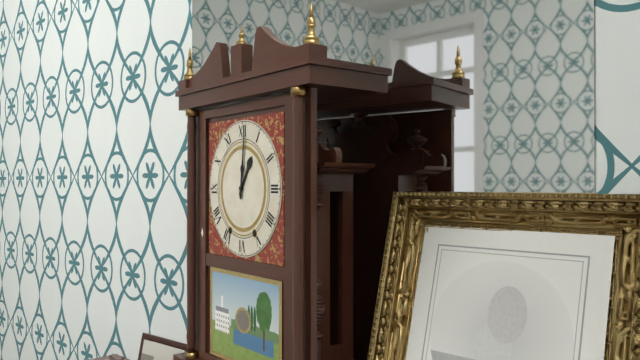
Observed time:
{"hour": 1, "minute": 1}
